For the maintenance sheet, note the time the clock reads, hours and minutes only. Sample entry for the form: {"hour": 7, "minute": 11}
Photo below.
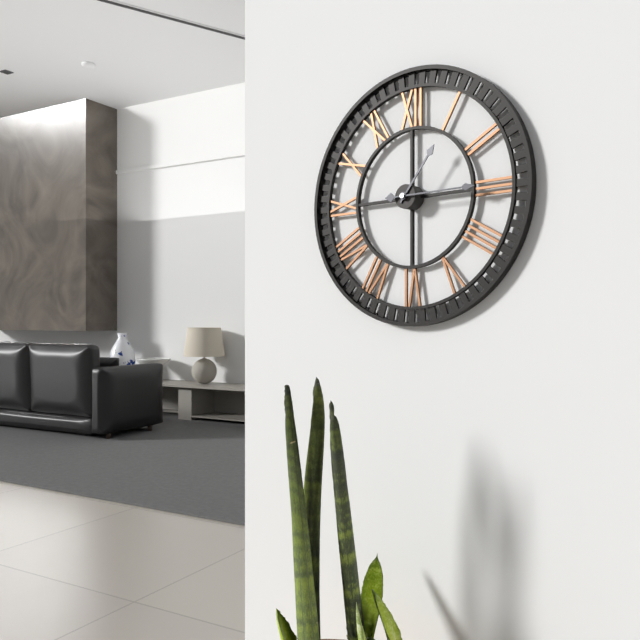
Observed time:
{"hour": 1, "minute": 15}
